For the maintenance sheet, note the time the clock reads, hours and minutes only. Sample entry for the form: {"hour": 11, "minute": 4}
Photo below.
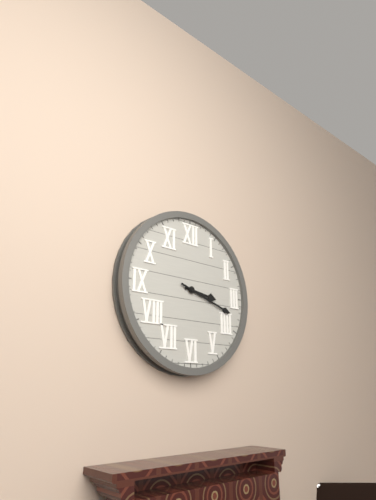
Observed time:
{"hour": 3, "minute": 18}
